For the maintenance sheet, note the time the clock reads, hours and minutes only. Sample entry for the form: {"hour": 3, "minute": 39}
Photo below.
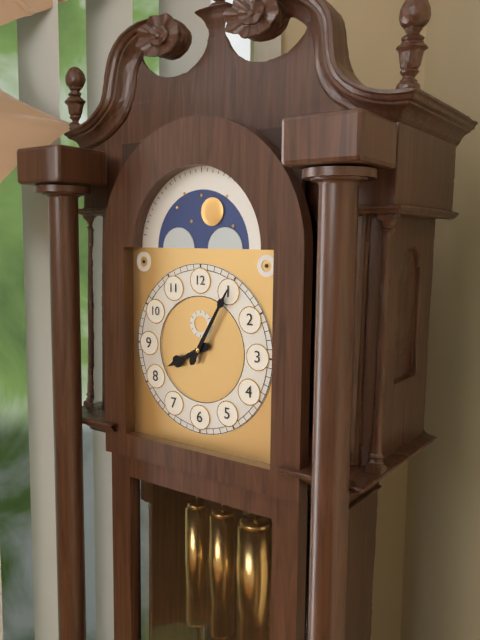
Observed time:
{"hour": 8, "minute": 5}
